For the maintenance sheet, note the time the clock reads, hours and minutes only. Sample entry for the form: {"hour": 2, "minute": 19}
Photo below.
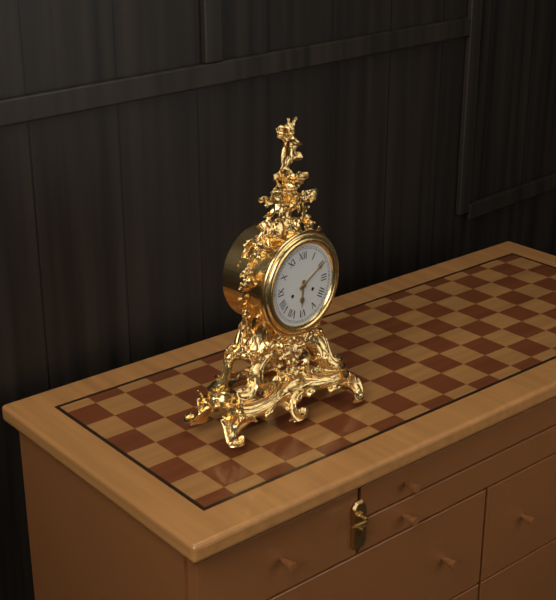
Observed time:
{"hour": 6, "minute": 10}
